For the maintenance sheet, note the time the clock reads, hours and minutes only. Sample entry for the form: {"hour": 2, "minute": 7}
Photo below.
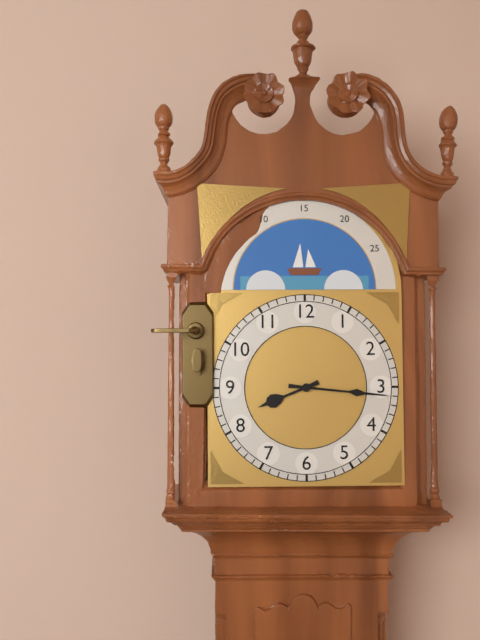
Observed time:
{"hour": 8, "minute": 16}
